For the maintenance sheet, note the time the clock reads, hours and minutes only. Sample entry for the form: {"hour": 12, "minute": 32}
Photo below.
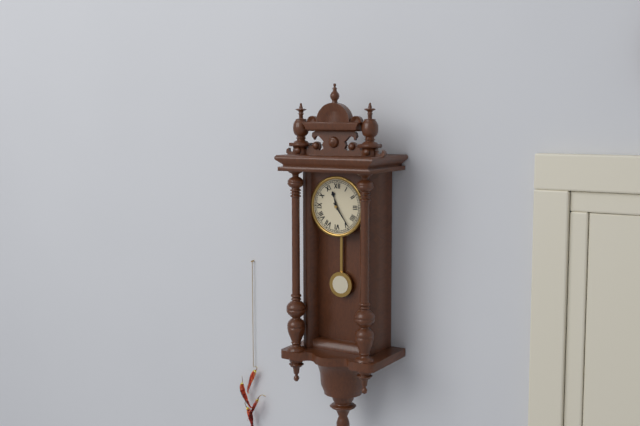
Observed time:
{"hour": 11, "minute": 24}
